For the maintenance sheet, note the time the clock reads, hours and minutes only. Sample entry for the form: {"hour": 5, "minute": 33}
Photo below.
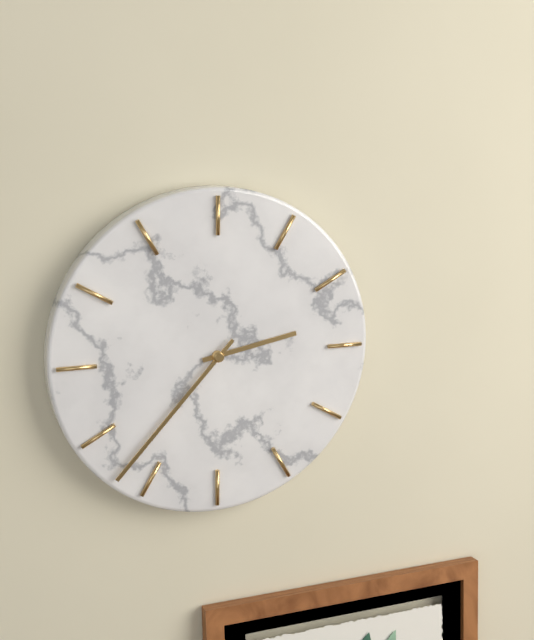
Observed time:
{"hour": 2, "minute": 37}
